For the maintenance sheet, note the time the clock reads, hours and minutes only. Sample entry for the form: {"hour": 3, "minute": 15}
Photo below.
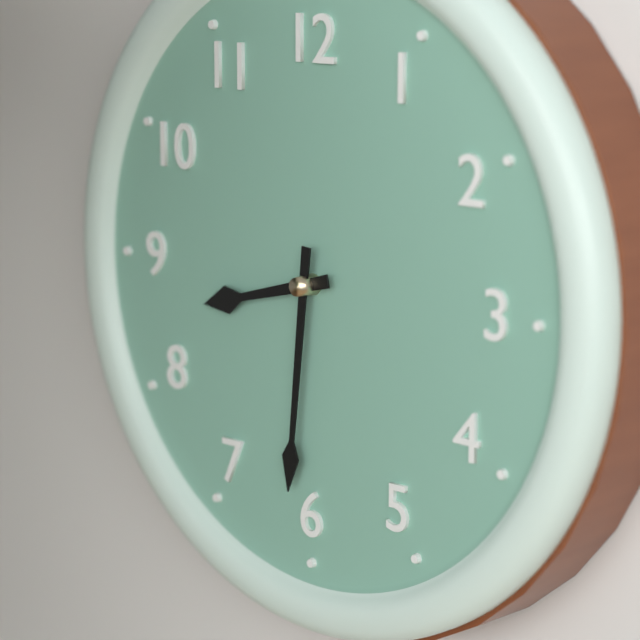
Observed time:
{"hour": 8, "minute": 31}
